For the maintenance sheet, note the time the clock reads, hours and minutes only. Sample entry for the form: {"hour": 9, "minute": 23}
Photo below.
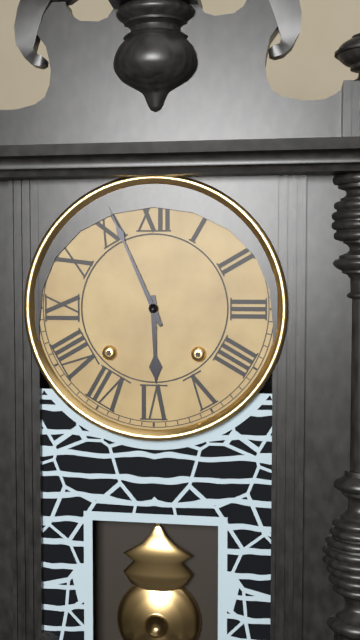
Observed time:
{"hour": 5, "minute": 56}
